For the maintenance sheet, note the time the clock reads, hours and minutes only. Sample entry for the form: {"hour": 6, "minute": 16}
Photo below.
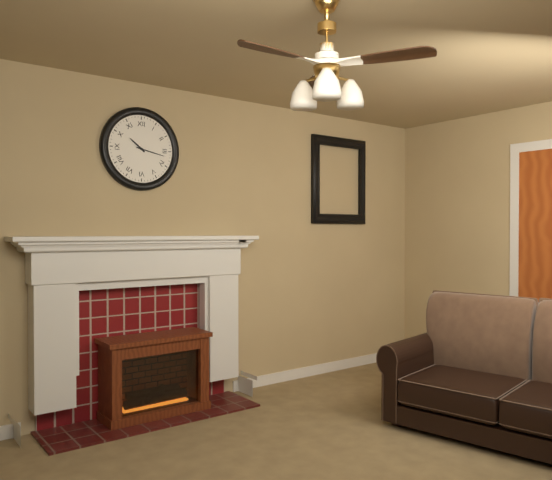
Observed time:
{"hour": 10, "minute": 17}
